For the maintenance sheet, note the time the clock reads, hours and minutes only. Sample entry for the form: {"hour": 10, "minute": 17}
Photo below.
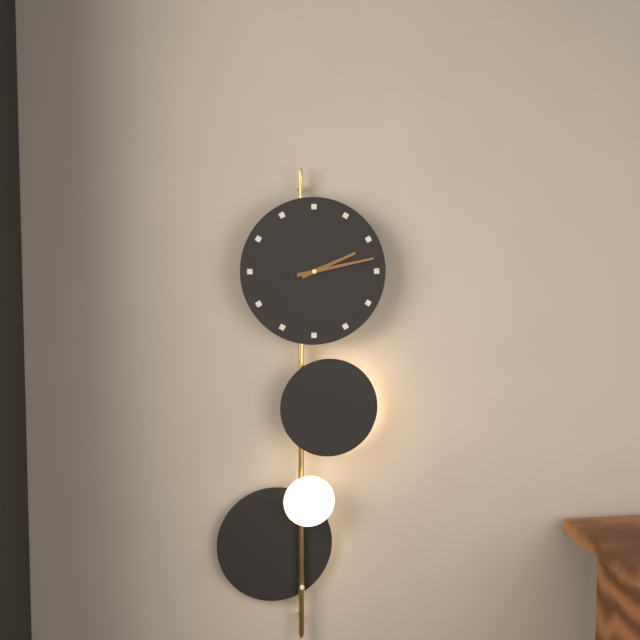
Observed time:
{"hour": 2, "minute": 13}
